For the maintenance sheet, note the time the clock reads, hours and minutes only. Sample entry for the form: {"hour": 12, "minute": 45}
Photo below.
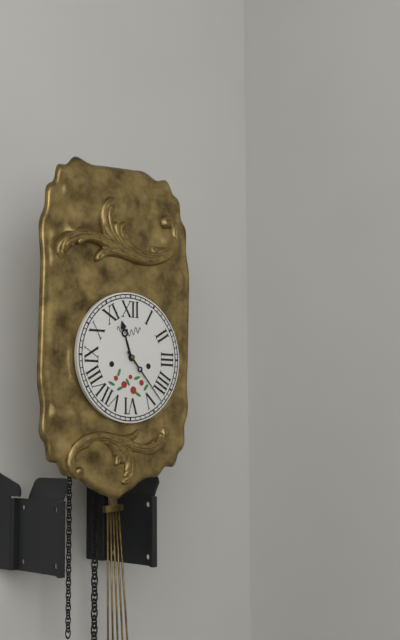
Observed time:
{"hour": 11, "minute": 23}
